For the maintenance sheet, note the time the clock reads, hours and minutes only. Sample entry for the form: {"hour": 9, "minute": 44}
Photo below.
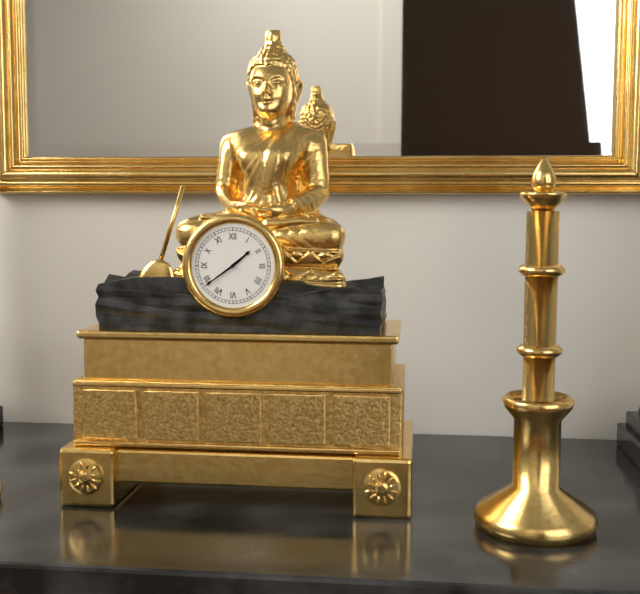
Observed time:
{"hour": 1, "minute": 39}
